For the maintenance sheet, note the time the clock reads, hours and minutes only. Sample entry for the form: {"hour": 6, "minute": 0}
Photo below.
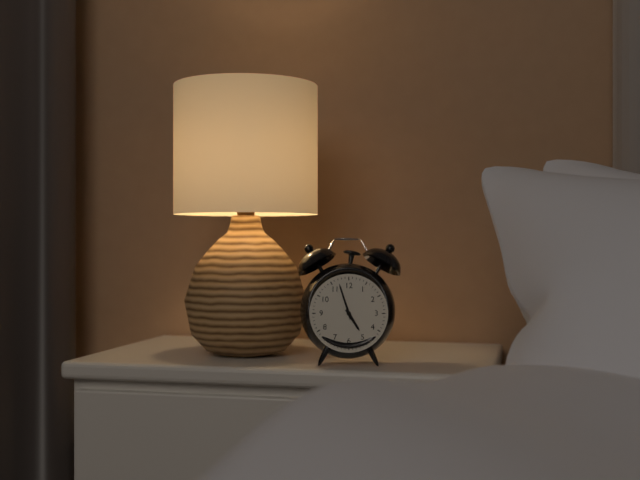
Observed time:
{"hour": 4, "minute": 57}
